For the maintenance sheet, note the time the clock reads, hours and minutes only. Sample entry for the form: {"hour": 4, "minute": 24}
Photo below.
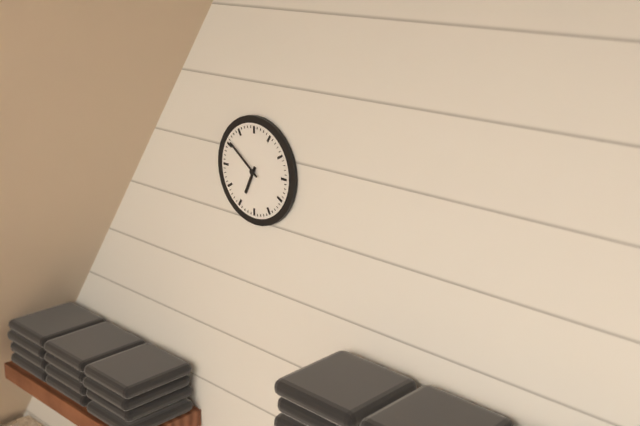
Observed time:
{"hour": 6, "minute": 51}
